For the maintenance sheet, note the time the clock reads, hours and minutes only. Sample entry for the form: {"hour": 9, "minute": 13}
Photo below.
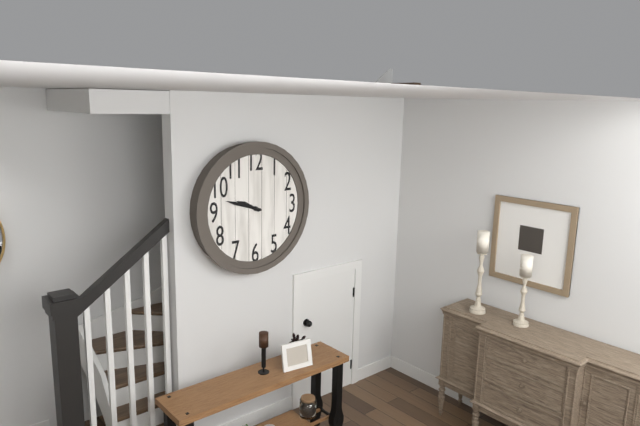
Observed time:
{"hour": 9, "minute": 48}
